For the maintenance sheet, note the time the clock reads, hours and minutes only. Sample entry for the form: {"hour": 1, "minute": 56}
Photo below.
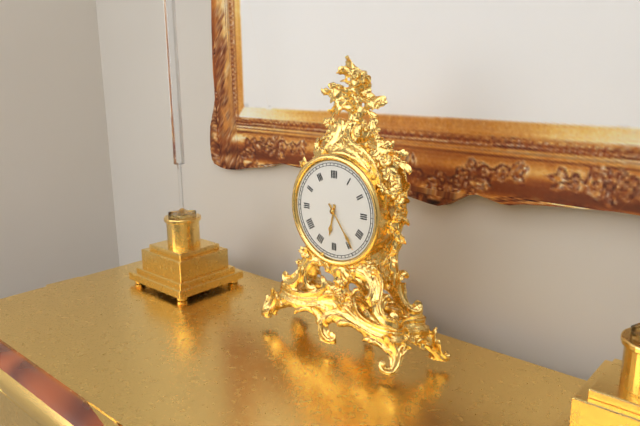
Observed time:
{"hour": 6, "minute": 24}
